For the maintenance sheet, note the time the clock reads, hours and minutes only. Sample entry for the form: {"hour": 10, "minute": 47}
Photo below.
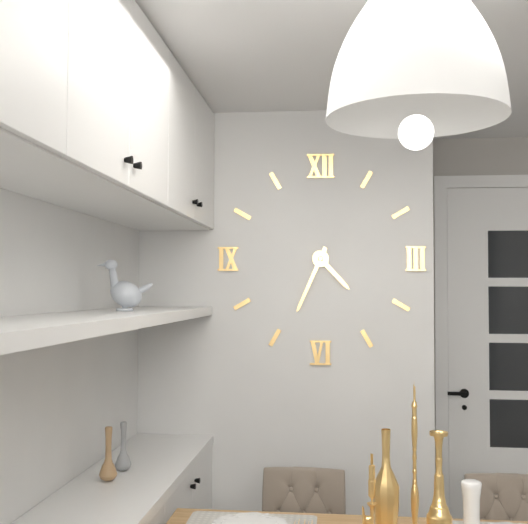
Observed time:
{"hour": 4, "minute": 34}
